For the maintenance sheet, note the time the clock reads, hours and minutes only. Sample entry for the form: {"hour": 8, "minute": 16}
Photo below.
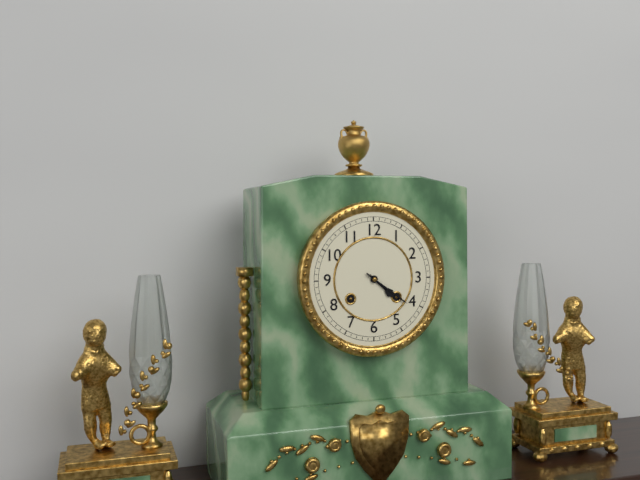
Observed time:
{"hour": 4, "minute": 21}
